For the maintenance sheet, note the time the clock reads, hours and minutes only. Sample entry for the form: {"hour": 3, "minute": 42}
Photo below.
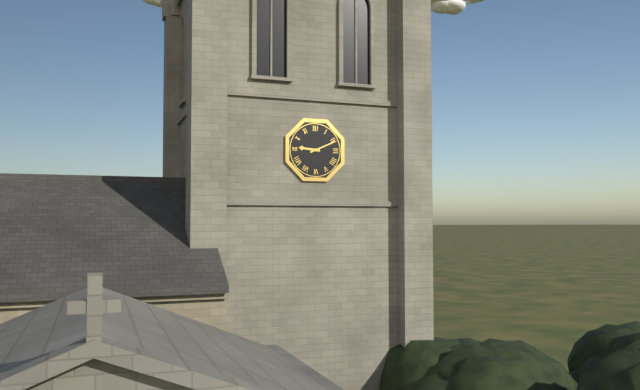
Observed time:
{"hour": 9, "minute": 11}
